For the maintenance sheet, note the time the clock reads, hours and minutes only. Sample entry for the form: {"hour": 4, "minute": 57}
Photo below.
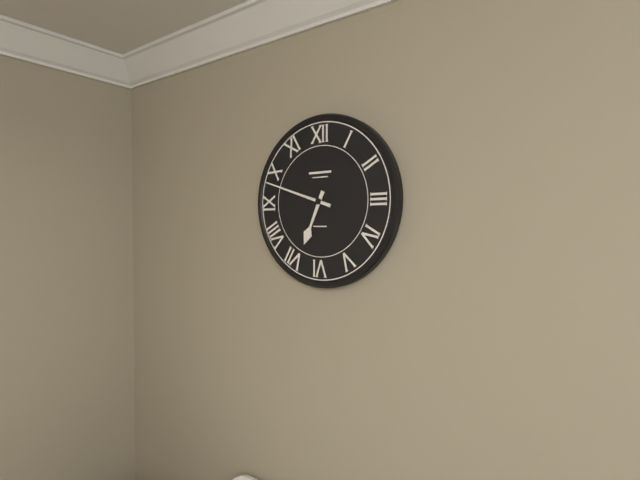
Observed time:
{"hour": 6, "minute": 48}
